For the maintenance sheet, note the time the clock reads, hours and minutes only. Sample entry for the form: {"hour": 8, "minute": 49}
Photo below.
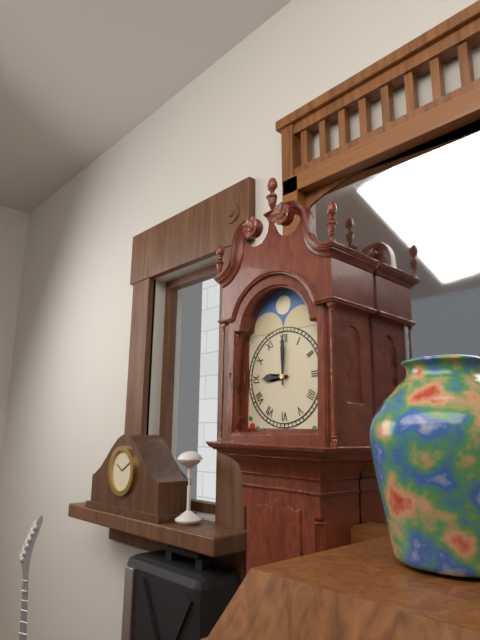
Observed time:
{"hour": 9, "minute": 0}
